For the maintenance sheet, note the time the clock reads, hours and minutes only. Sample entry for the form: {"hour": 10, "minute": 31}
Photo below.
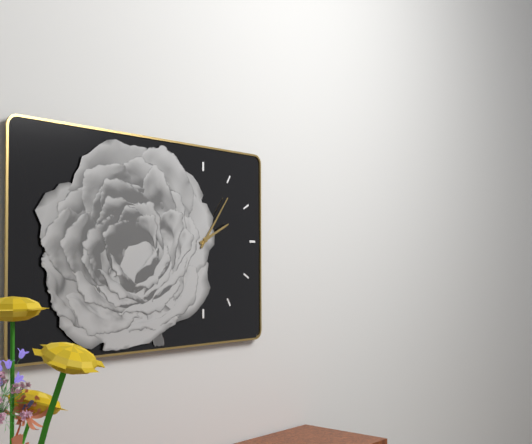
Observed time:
{"hour": 2, "minute": 6}
